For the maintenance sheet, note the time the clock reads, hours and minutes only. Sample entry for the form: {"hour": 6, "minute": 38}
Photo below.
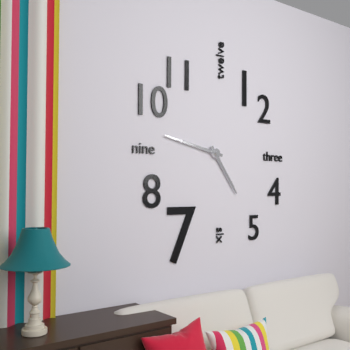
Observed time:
{"hour": 4, "minute": 47}
